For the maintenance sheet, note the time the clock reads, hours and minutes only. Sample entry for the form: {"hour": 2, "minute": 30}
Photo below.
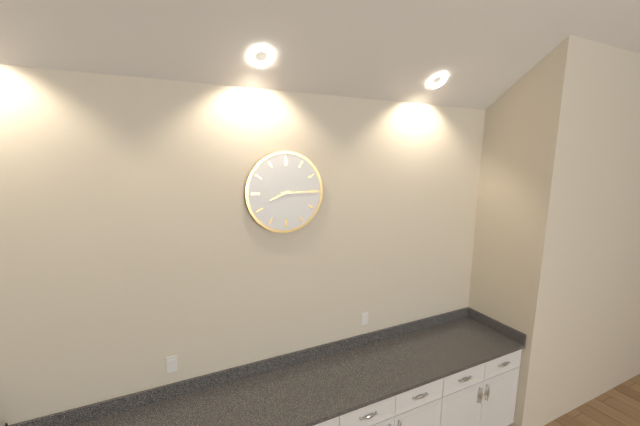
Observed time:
{"hour": 8, "minute": 15}
